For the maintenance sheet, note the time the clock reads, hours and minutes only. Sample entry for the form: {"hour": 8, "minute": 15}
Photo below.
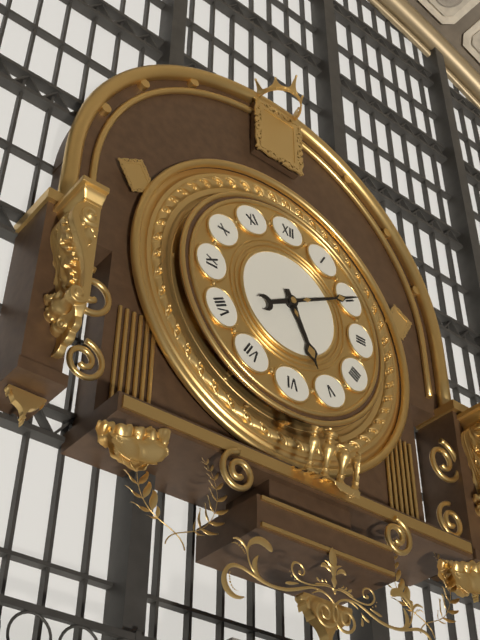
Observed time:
{"hour": 5, "minute": 10}
